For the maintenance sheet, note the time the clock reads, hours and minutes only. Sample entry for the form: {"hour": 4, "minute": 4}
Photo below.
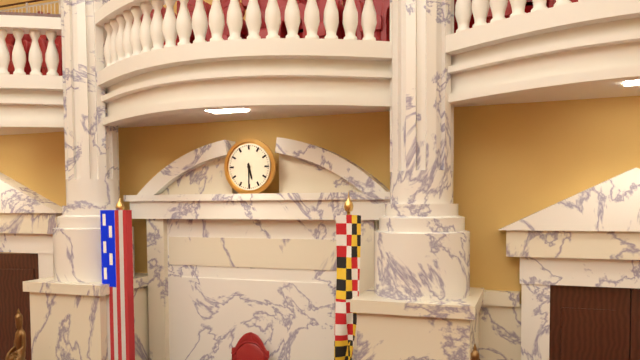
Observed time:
{"hour": 5, "minute": 30}
